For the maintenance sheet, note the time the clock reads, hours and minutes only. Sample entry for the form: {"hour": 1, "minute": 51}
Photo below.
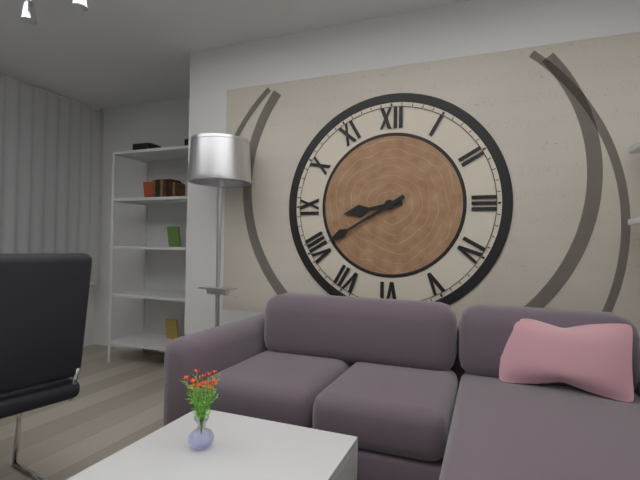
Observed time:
{"hour": 8, "minute": 40}
